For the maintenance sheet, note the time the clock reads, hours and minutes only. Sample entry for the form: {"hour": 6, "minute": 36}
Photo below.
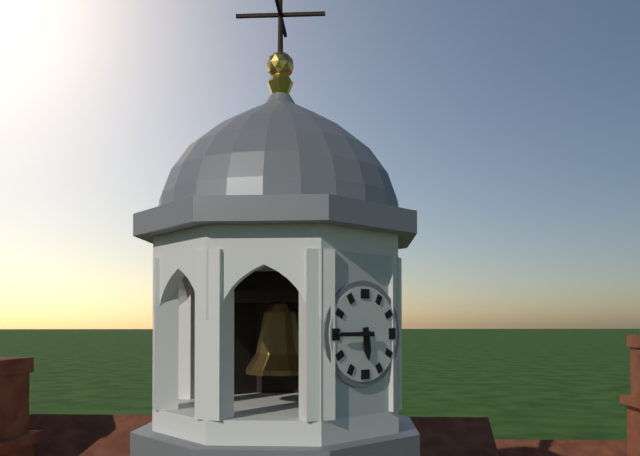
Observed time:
{"hour": 5, "minute": 45}
